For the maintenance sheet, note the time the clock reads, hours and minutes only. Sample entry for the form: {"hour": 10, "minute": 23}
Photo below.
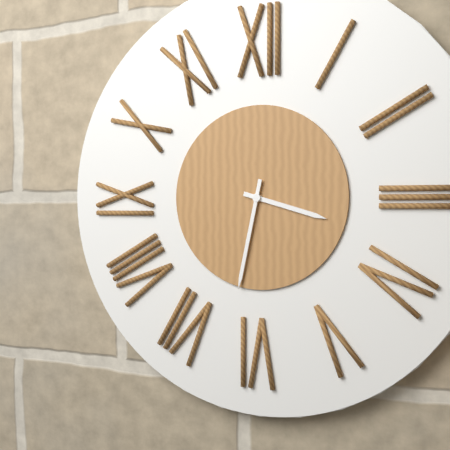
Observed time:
{"hour": 3, "minute": 32}
